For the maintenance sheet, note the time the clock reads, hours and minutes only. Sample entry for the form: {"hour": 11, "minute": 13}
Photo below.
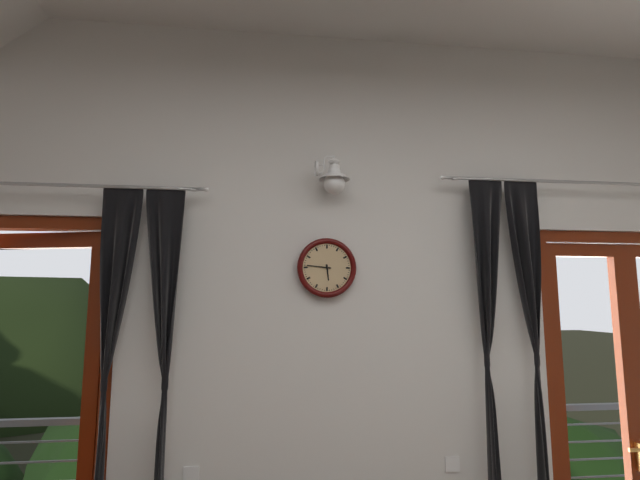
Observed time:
{"hour": 5, "minute": 46}
